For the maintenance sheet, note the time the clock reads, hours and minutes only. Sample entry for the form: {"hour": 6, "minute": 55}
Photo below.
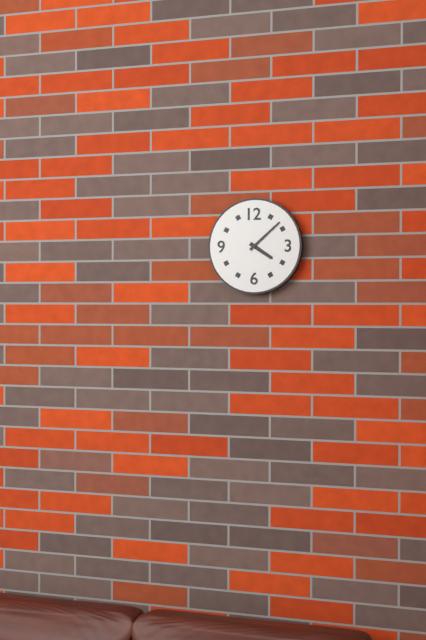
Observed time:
{"hour": 4, "minute": 8}
